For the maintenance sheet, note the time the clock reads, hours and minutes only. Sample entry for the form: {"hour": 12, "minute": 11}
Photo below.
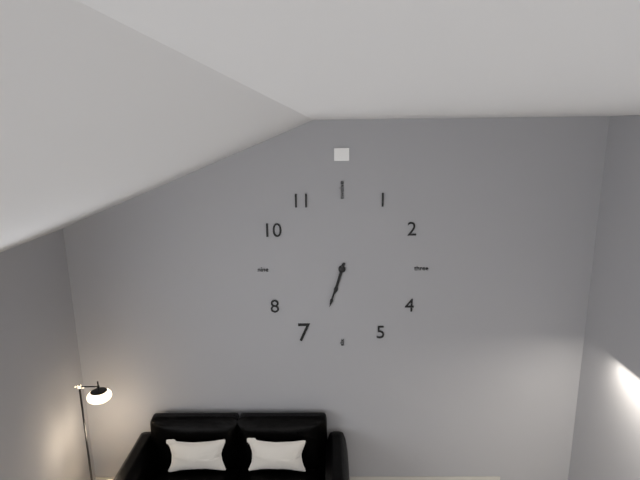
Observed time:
{"hour": 6, "minute": 33}
